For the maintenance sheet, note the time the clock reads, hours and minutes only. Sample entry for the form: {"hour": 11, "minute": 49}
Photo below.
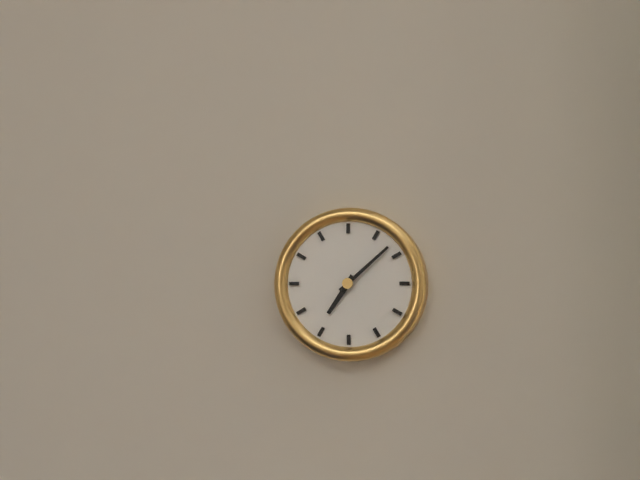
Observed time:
{"hour": 7, "minute": 8}
